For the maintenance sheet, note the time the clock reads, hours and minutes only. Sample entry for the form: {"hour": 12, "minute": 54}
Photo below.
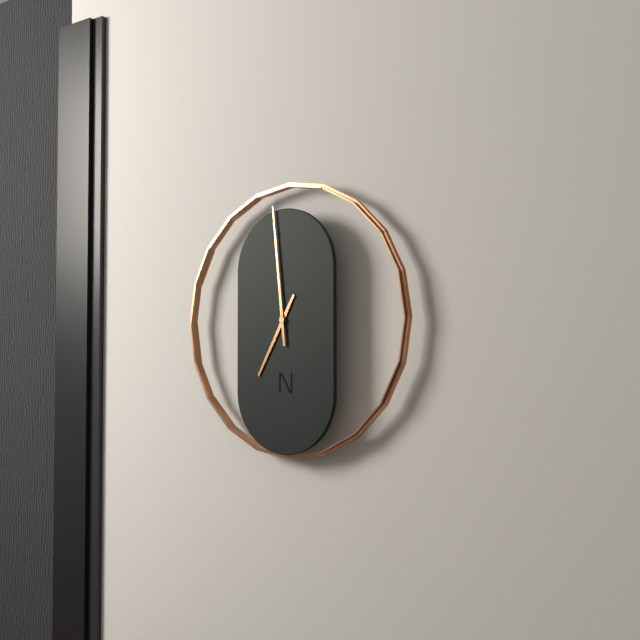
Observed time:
{"hour": 6, "minute": 59}
